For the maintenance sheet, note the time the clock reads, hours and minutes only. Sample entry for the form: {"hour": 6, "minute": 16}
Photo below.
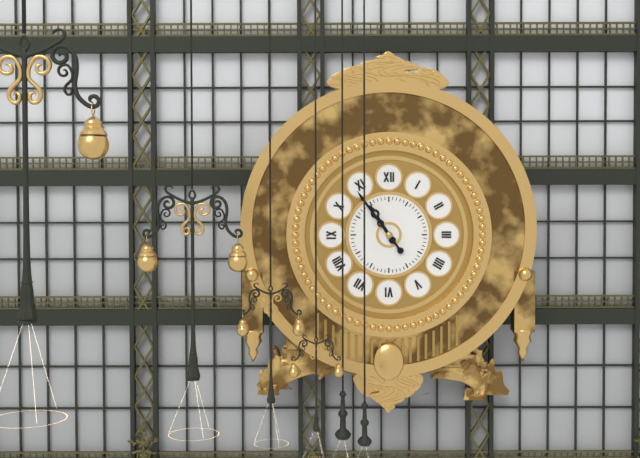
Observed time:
{"hour": 10, "minute": 54}
